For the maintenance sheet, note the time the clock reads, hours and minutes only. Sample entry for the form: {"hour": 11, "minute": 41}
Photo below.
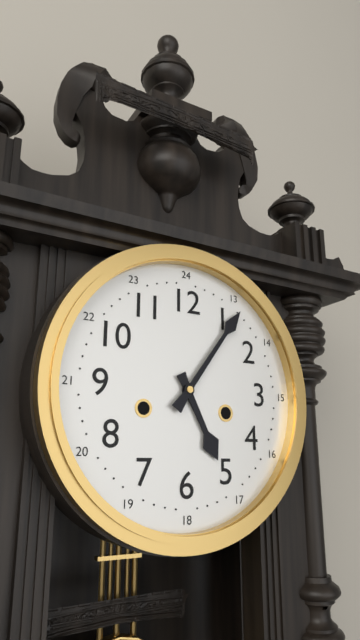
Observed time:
{"hour": 5, "minute": 6}
